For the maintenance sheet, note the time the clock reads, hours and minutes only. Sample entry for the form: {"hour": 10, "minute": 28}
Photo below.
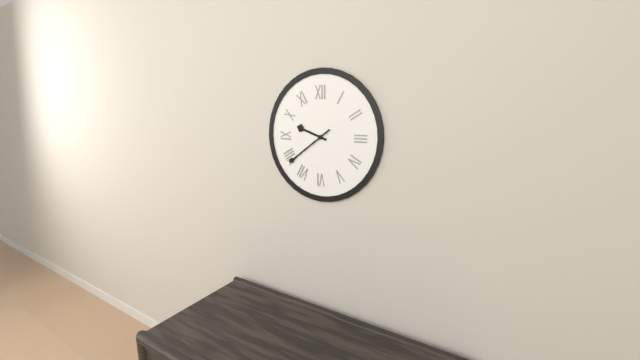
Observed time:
{"hour": 9, "minute": 39}
